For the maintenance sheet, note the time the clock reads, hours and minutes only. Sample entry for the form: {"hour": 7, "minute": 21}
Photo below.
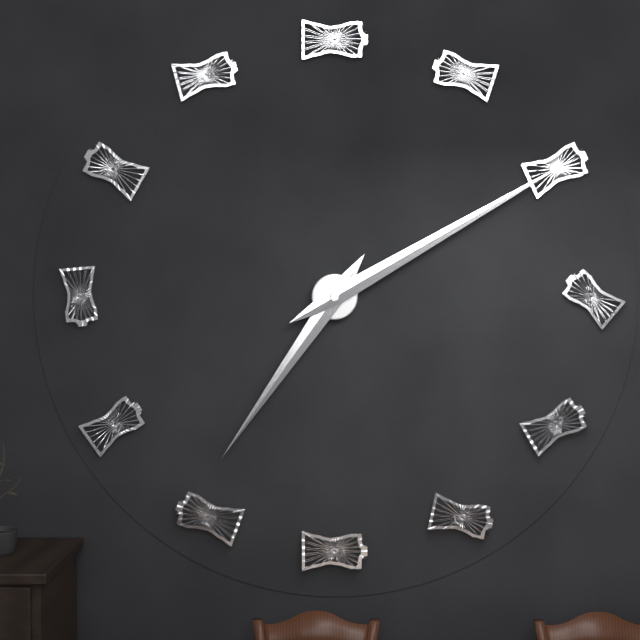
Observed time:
{"hour": 7, "minute": 10}
